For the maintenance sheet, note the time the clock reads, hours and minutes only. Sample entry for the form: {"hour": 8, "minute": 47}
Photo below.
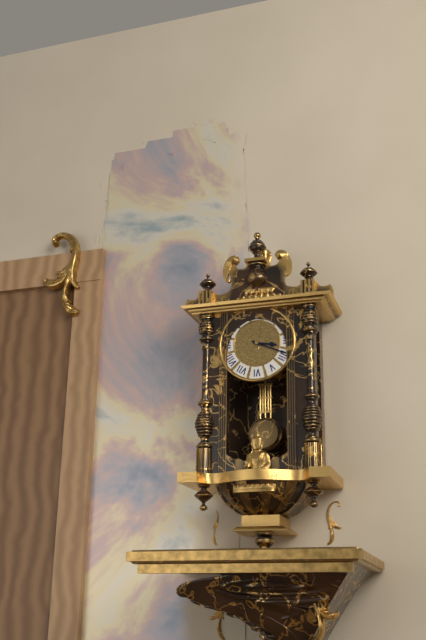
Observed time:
{"hour": 3, "minute": 19}
